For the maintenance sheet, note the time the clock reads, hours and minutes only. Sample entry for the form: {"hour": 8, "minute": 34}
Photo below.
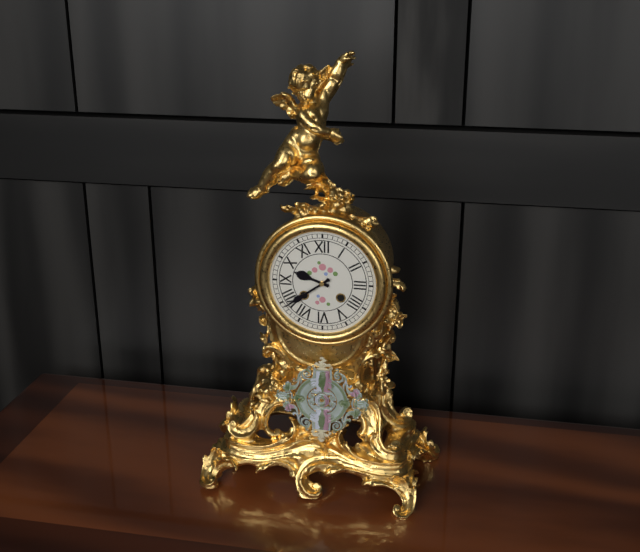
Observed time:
{"hour": 9, "minute": 39}
